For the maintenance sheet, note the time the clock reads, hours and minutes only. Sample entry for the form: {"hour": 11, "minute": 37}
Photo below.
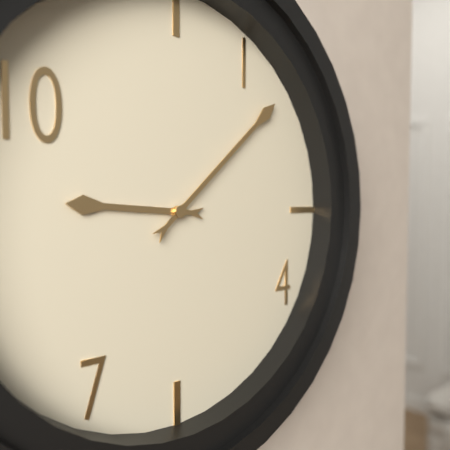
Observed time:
{"hour": 9, "minute": 8}
